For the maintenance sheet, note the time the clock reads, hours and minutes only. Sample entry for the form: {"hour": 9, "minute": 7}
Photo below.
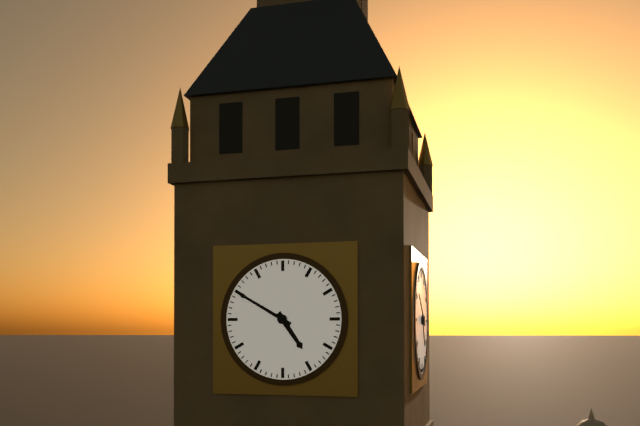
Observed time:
{"hour": 4, "minute": 50}
